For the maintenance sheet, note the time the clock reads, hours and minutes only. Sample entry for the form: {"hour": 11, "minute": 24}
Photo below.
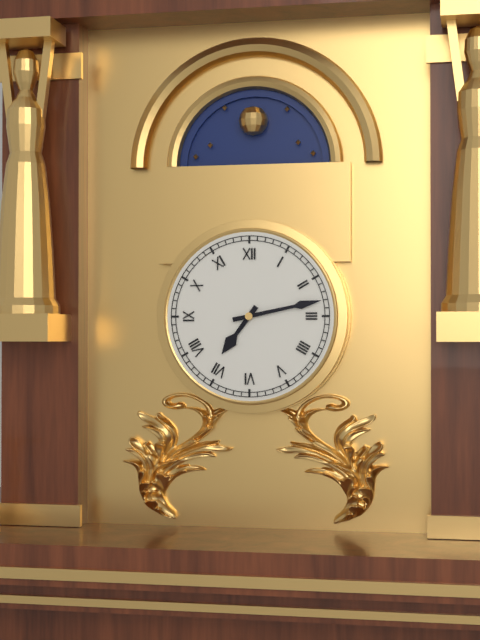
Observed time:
{"hour": 7, "minute": 13}
